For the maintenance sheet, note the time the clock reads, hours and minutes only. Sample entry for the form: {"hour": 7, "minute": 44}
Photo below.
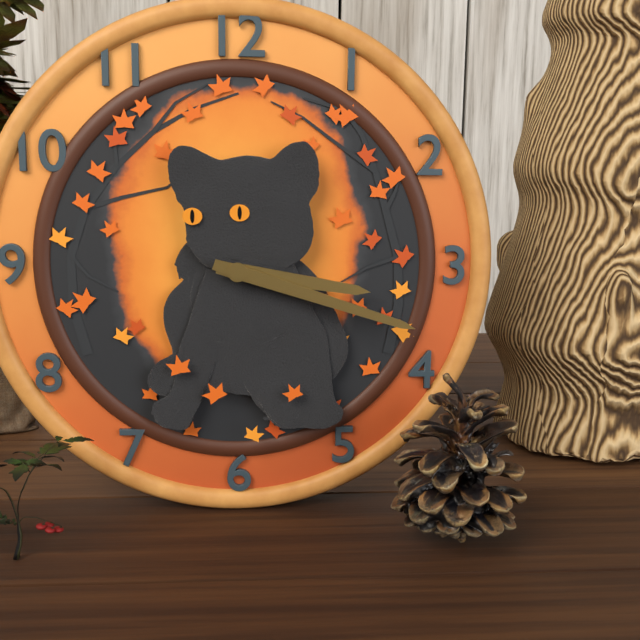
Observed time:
{"hour": 3, "minute": 18}
